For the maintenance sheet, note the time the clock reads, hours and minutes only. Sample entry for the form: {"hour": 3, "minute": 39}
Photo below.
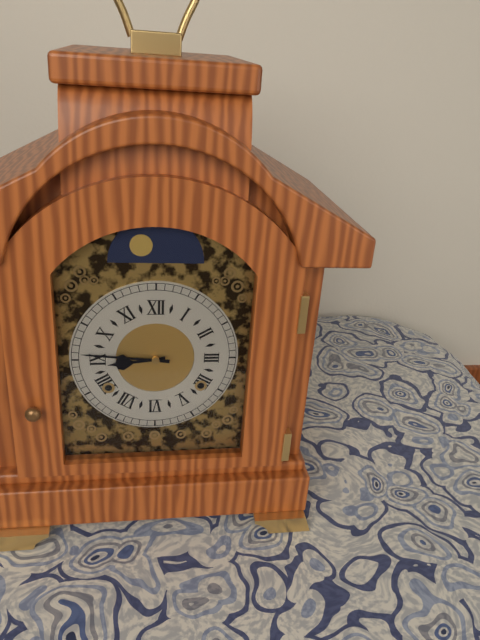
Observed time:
{"hour": 8, "minute": 46}
